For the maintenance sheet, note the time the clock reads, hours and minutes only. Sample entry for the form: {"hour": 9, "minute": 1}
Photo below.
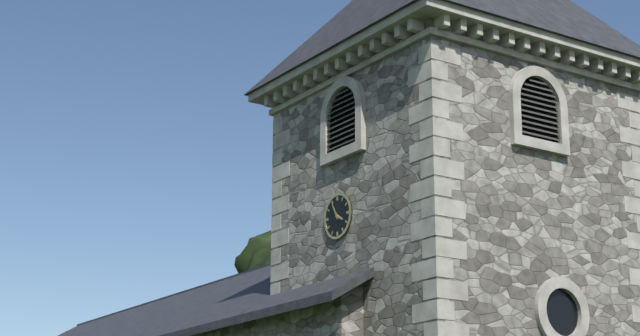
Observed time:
{"hour": 3, "minute": 55}
